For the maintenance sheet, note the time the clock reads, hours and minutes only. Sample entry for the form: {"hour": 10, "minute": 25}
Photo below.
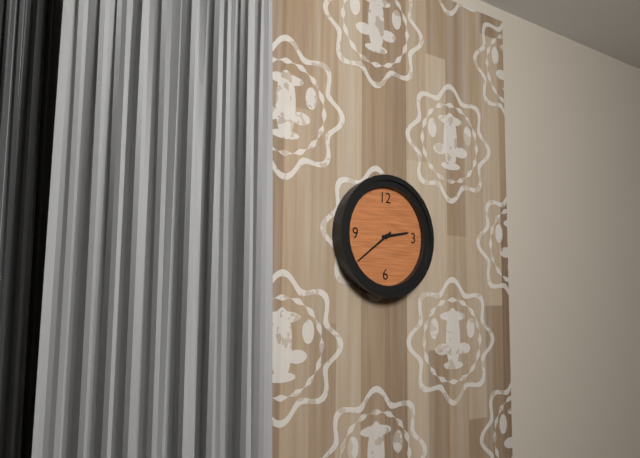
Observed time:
{"hour": 2, "minute": 39}
